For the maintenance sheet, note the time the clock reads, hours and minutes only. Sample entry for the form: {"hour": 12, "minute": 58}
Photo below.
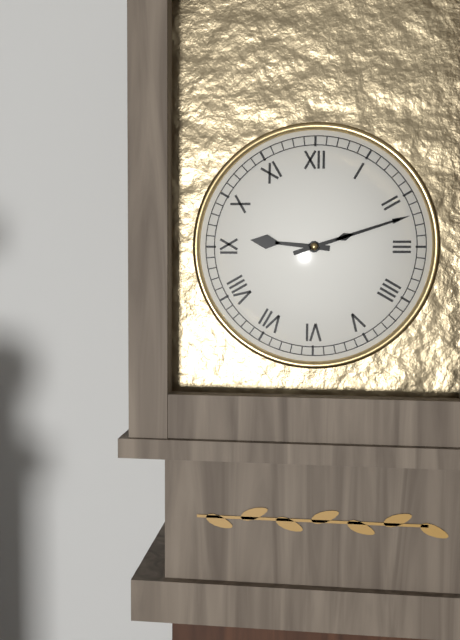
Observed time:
{"hour": 9, "minute": 12}
